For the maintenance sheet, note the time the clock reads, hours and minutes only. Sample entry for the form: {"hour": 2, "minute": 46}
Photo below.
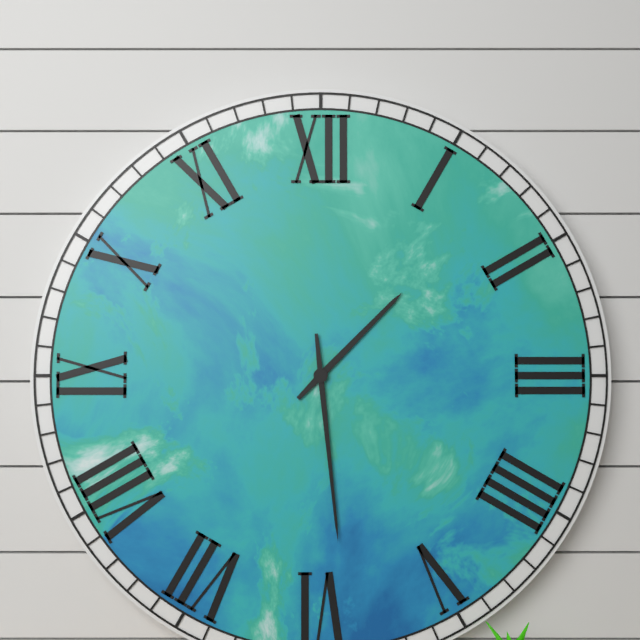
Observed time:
{"hour": 1, "minute": 29}
